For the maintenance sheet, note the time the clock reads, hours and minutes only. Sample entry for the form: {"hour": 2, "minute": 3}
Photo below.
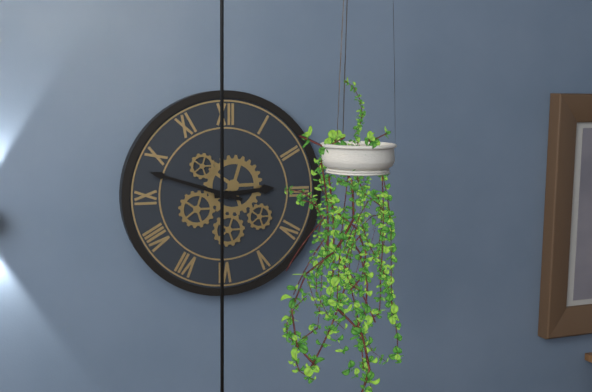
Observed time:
{"hour": 2, "minute": 48}
